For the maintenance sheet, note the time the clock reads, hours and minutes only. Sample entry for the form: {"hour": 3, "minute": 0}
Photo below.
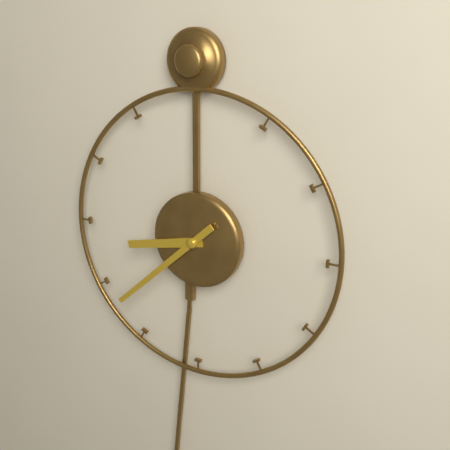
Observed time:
{"hour": 8, "minute": 38}
